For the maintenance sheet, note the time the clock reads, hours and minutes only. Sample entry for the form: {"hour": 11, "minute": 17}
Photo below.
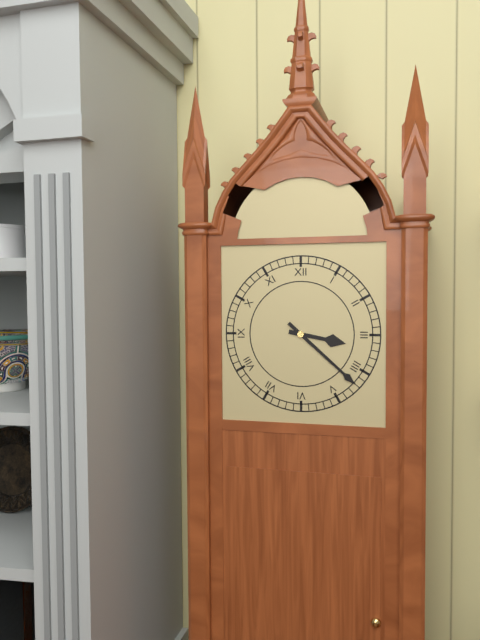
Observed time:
{"hour": 3, "minute": 22}
